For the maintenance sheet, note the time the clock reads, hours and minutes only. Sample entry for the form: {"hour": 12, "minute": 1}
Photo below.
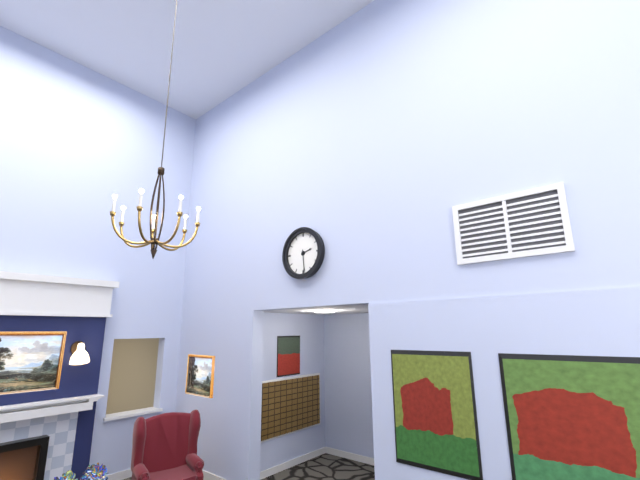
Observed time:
{"hour": 2, "minute": 29}
